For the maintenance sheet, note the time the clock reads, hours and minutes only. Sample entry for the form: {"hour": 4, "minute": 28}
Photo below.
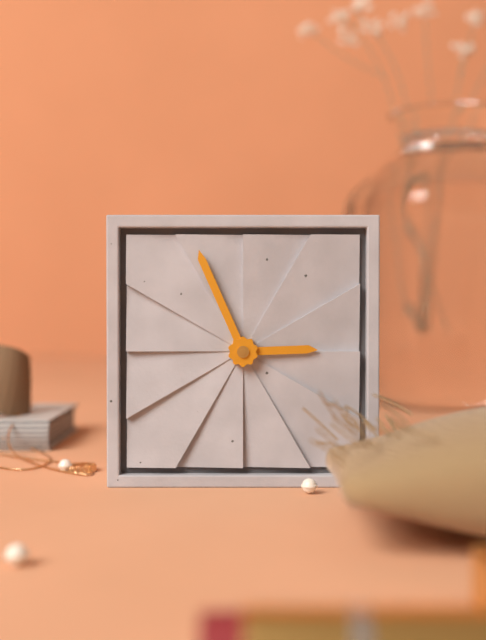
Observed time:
{"hour": 2, "minute": 56}
